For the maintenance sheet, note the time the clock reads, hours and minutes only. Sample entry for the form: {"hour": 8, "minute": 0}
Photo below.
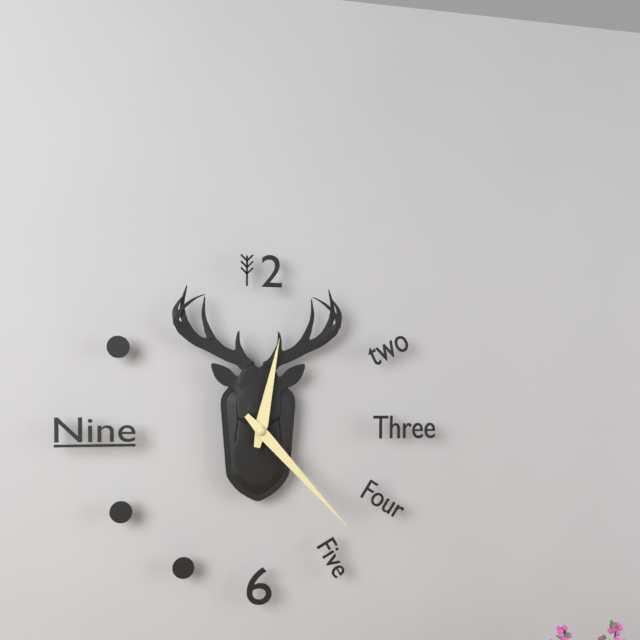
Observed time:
{"hour": 12, "minute": 23}
